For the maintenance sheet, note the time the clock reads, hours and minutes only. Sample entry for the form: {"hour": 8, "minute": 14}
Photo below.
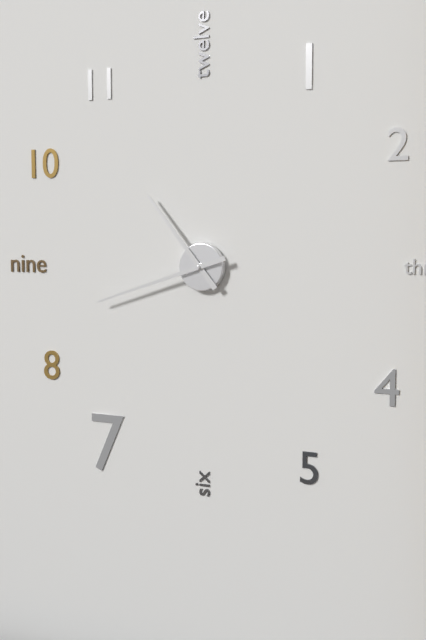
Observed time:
{"hour": 10, "minute": 42}
